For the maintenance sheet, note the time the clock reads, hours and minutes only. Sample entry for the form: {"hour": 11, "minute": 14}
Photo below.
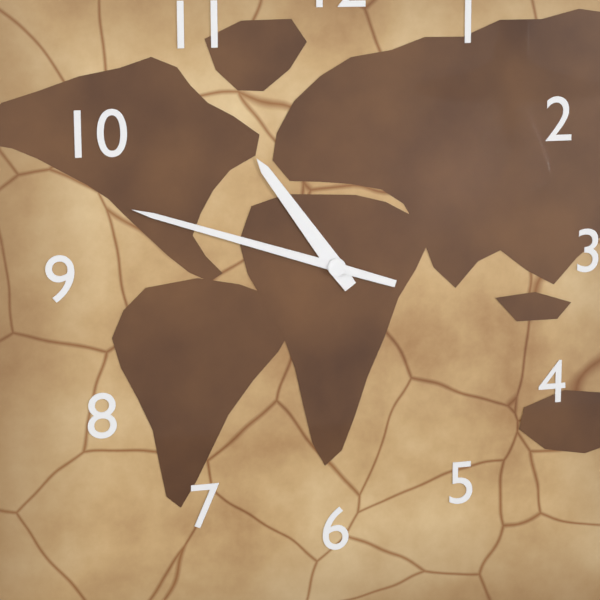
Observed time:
{"hour": 10, "minute": 48}
